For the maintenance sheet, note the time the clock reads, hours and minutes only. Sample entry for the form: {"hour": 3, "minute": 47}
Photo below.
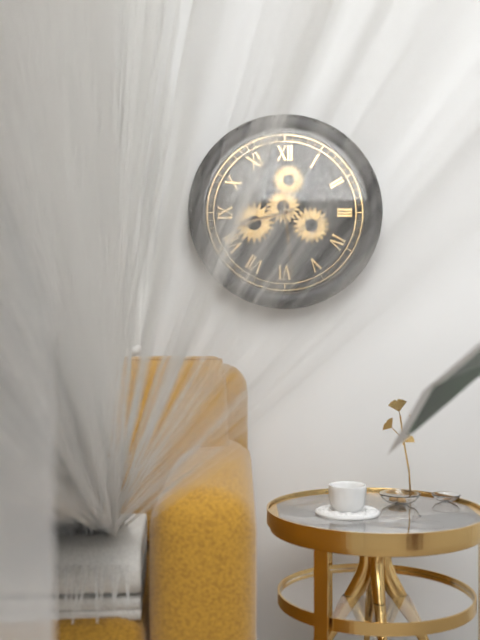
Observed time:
{"hour": 8, "minute": 29}
